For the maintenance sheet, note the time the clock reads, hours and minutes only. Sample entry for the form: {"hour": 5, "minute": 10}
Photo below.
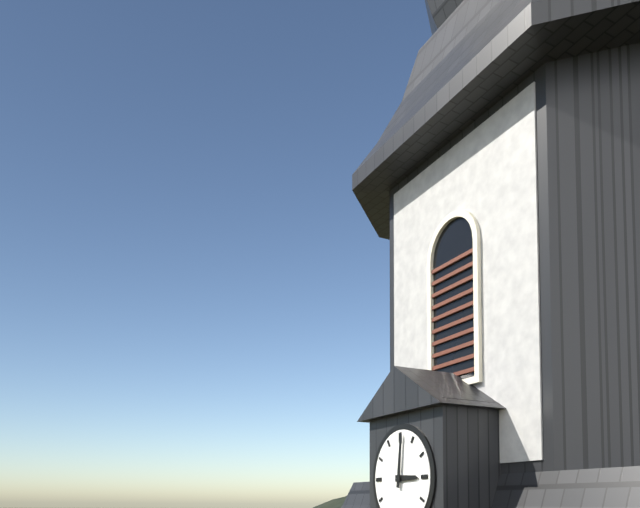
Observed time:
{"hour": 3, "minute": 1}
